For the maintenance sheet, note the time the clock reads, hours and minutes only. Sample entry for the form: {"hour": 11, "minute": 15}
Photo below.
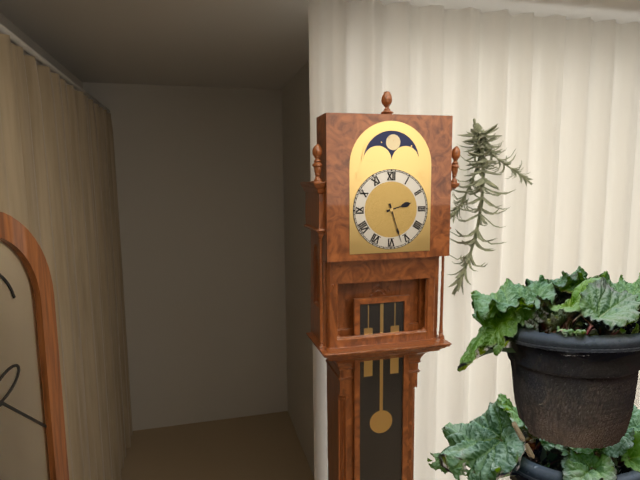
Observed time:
{"hour": 2, "minute": 27}
